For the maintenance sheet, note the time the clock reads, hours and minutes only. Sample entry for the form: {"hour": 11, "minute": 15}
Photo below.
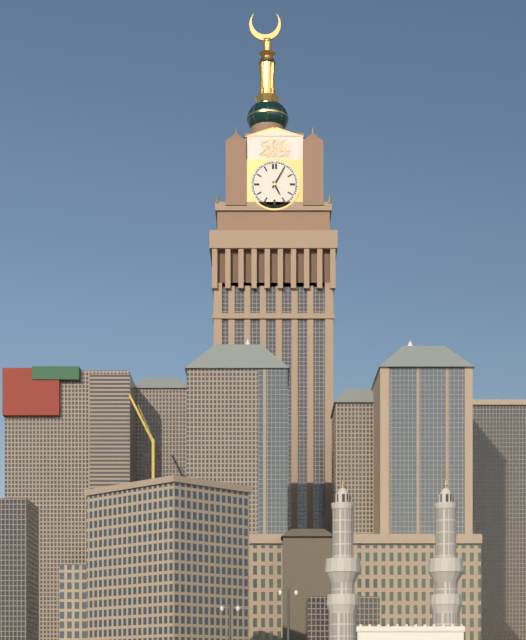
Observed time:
{"hour": 5, "minute": 5}
